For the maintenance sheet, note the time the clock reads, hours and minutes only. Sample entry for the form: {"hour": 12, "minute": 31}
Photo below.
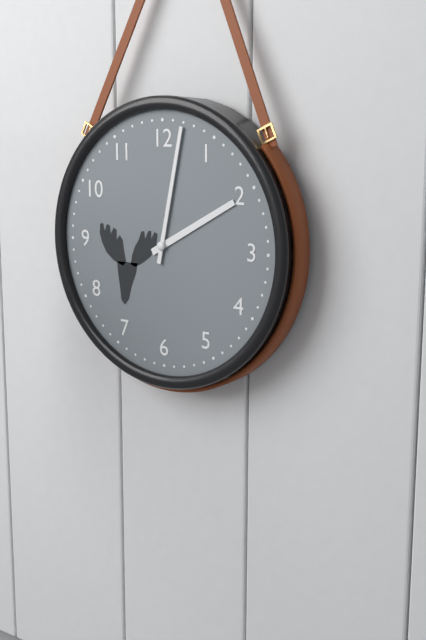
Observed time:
{"hour": 2, "minute": 2}
